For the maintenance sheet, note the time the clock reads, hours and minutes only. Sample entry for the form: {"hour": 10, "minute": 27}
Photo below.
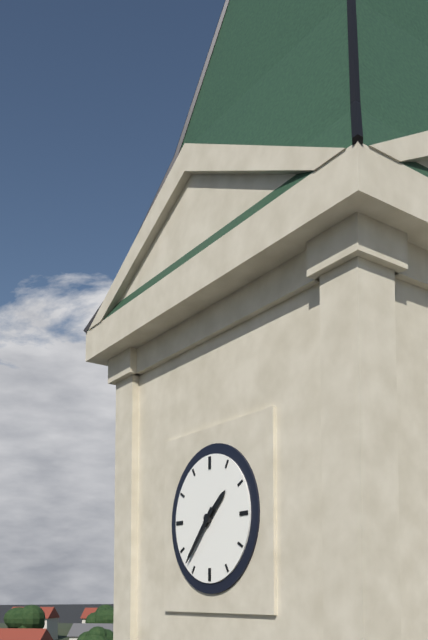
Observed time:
{"hour": 1, "minute": 37}
